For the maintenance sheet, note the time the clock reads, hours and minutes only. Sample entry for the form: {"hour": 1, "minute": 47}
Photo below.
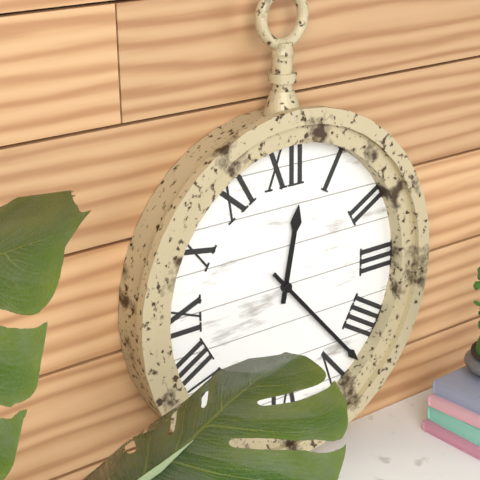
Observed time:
{"hour": 12, "minute": 23}
